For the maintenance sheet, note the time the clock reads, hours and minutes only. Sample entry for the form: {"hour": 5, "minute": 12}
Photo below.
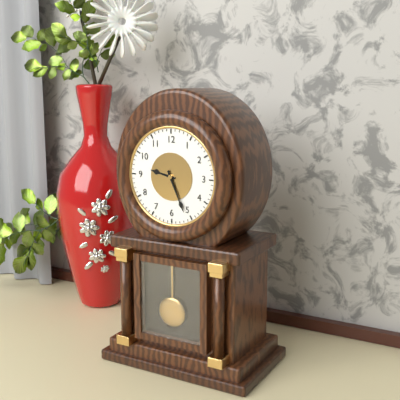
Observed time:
{"hour": 9, "minute": 26}
